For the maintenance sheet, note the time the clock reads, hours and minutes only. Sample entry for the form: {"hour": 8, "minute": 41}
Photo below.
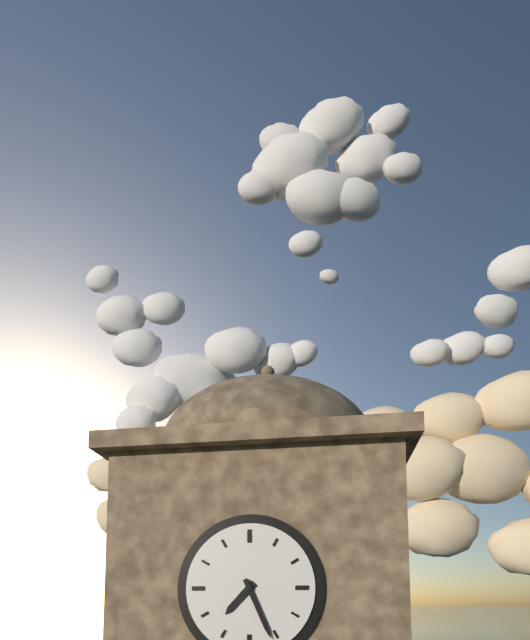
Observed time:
{"hour": 7, "minute": 26}
